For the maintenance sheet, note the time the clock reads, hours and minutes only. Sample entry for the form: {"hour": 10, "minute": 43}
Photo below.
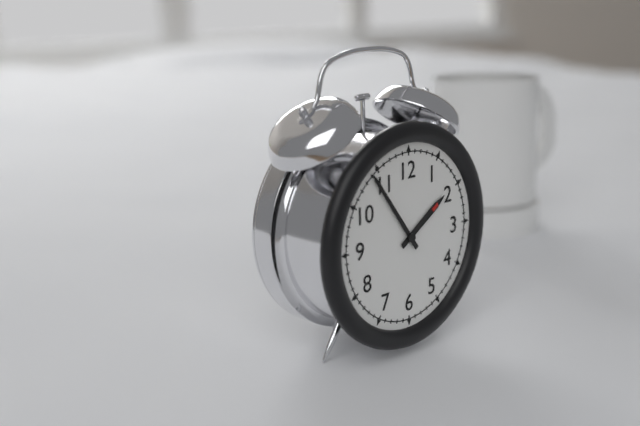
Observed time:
{"hour": 1, "minute": 54}
